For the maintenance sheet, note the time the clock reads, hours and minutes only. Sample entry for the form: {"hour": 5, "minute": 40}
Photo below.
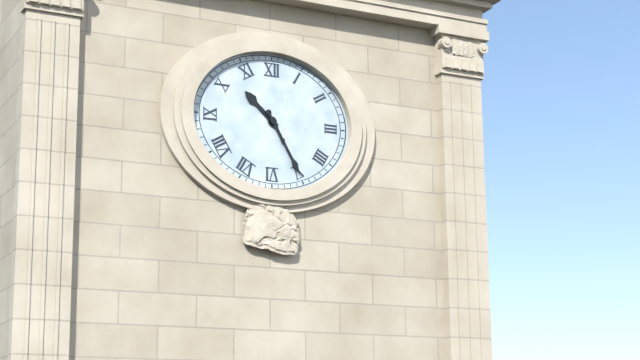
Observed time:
{"hour": 10, "minute": 25}
